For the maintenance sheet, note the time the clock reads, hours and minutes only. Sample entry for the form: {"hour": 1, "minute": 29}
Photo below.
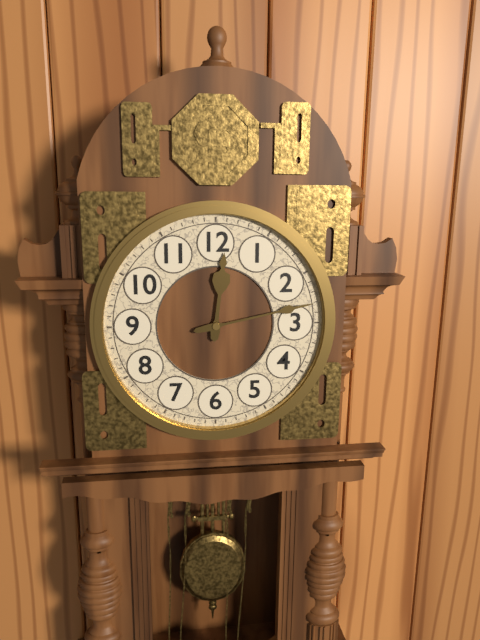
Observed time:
{"hour": 12, "minute": 13}
